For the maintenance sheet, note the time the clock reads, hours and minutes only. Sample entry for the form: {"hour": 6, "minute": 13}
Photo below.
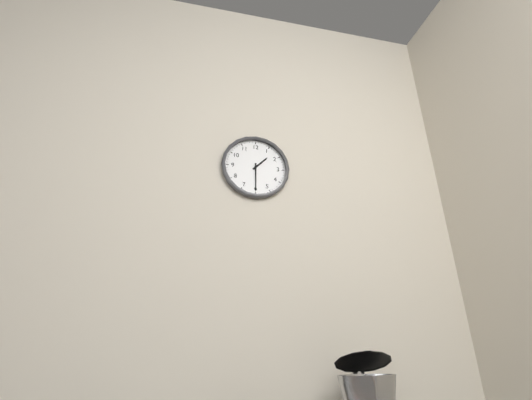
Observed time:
{"hour": 1, "minute": 30}
